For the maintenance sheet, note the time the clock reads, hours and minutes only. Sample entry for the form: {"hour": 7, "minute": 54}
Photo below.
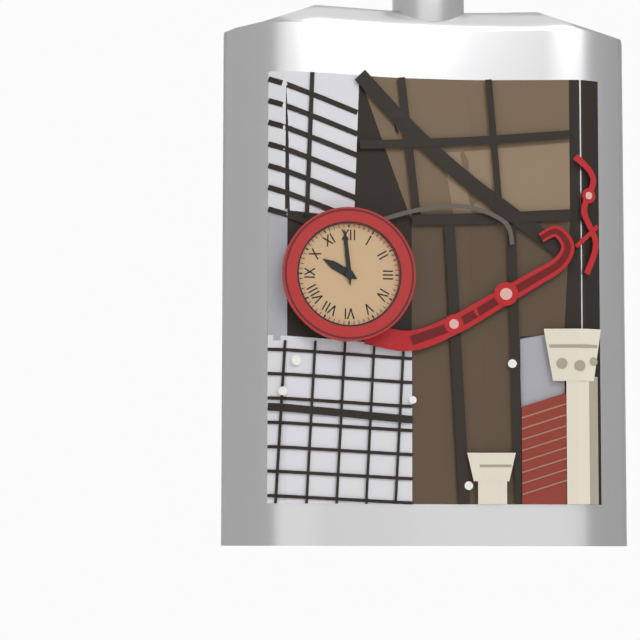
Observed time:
{"hour": 9, "minute": 59}
